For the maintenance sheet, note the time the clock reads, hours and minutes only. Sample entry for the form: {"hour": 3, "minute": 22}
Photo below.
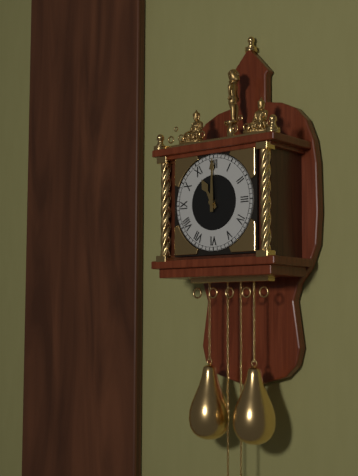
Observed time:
{"hour": 11, "minute": 0}
